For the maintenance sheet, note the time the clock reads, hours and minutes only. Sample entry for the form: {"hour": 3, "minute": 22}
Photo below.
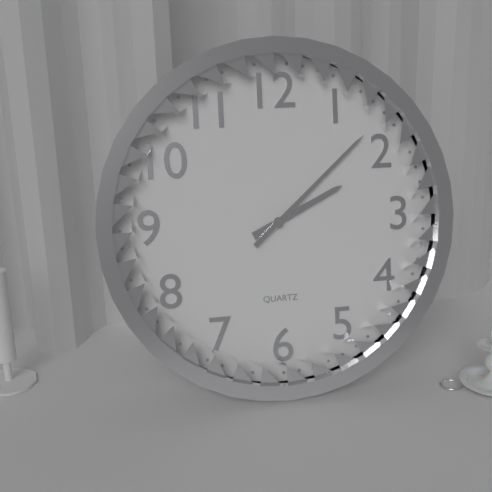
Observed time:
{"hour": 2, "minute": 8}
